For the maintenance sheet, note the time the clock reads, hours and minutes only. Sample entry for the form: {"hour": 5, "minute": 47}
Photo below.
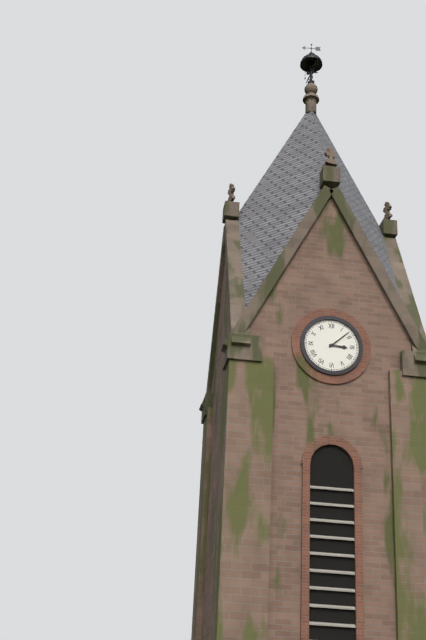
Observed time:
{"hour": 3, "minute": 8}
